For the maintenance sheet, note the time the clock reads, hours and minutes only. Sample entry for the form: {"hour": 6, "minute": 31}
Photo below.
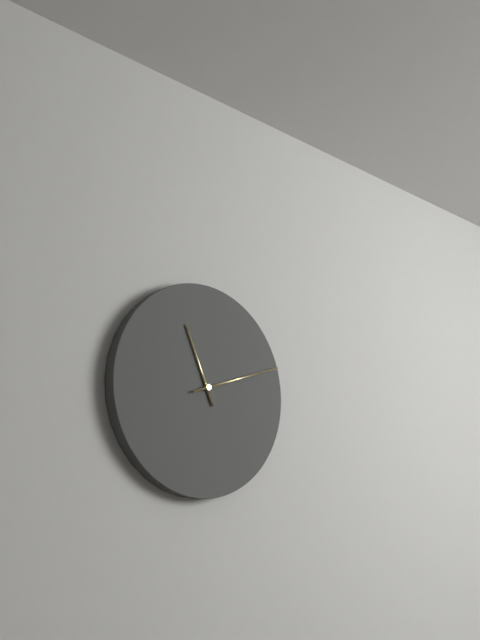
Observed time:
{"hour": 11, "minute": 12}
